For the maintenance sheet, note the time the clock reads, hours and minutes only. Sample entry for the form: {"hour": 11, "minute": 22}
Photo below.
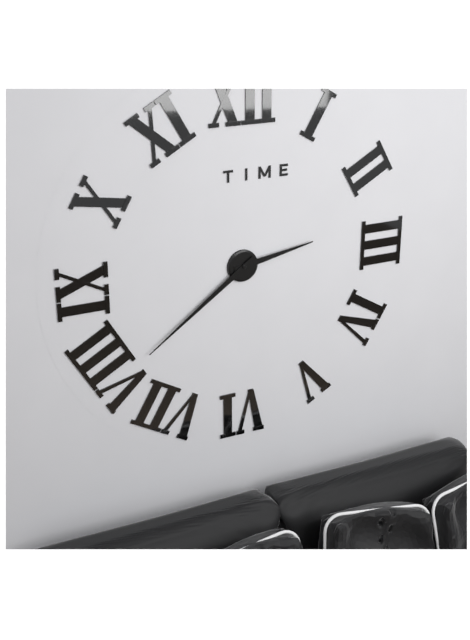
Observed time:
{"hour": 2, "minute": 39}
